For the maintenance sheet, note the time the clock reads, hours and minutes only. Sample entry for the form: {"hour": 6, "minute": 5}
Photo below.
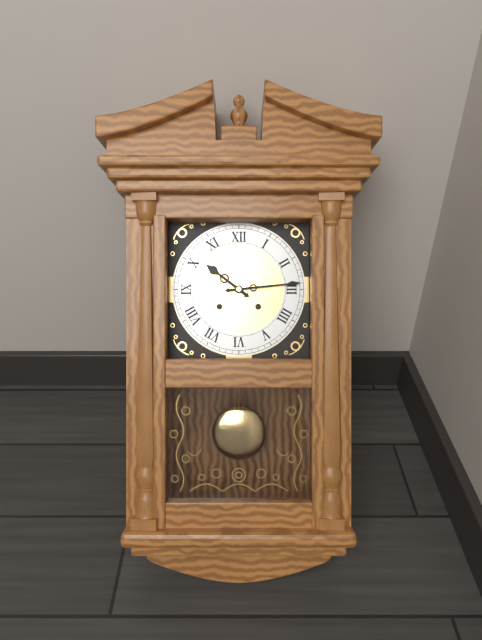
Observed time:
{"hour": 10, "minute": 14}
